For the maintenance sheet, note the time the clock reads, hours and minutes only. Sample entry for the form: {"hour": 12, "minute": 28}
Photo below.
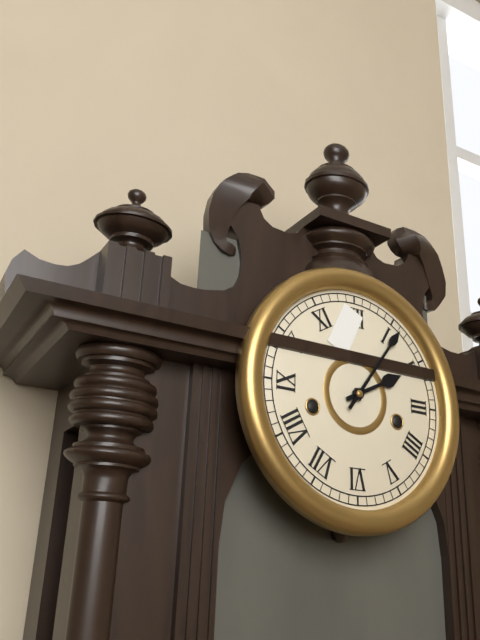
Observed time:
{"hour": 2, "minute": 6}
